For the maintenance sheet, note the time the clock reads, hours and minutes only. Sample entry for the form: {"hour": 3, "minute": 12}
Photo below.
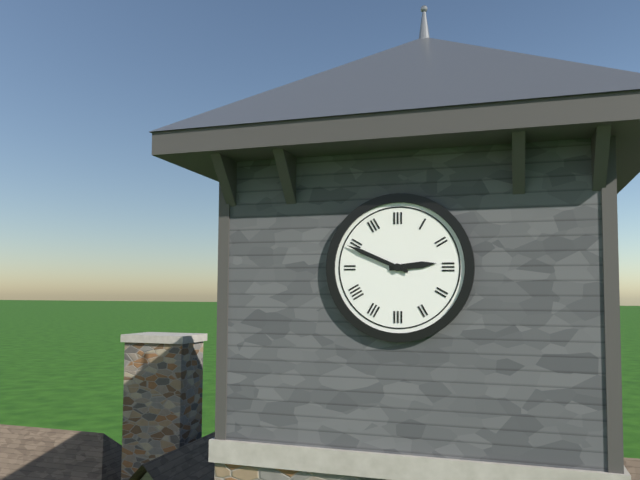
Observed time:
{"hour": 2, "minute": 49}
